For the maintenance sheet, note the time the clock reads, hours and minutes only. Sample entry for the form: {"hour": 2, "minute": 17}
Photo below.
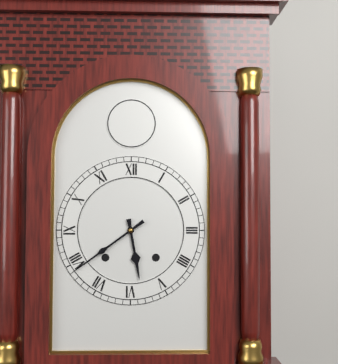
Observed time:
{"hour": 5, "minute": 39}
